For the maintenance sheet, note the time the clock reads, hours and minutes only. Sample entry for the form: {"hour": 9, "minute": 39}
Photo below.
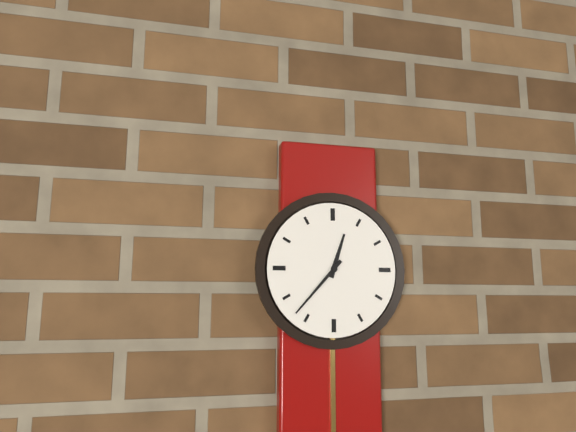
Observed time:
{"hour": 12, "minute": 37}
